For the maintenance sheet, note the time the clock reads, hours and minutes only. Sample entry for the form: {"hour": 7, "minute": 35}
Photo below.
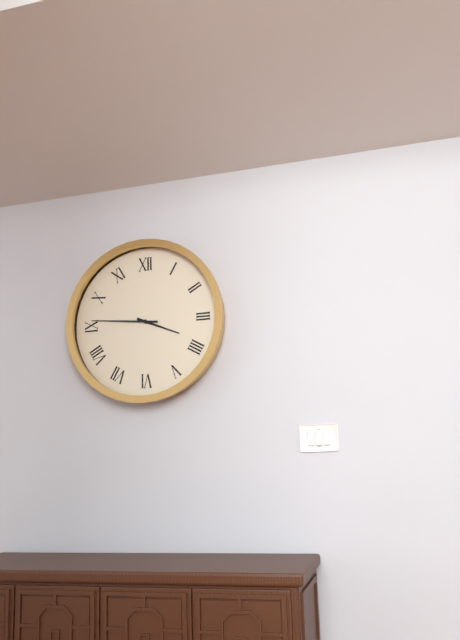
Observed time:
{"hour": 3, "minute": 46}
